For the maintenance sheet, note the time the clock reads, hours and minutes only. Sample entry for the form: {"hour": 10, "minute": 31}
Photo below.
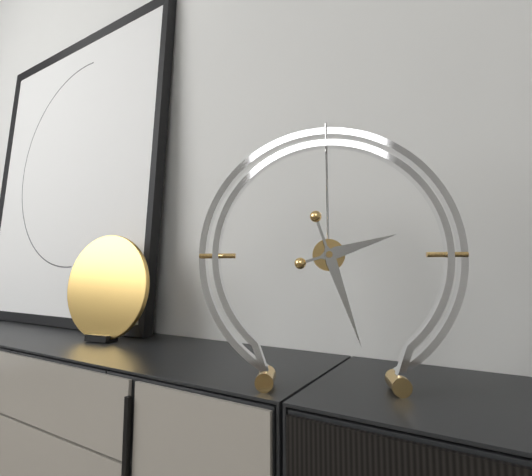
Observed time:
{"hour": 2, "minute": 27}
